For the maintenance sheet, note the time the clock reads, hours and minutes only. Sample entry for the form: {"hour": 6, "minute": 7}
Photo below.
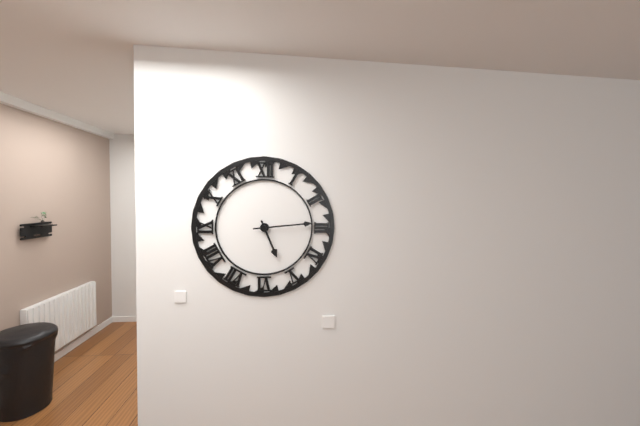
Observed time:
{"hour": 5, "minute": 14}
